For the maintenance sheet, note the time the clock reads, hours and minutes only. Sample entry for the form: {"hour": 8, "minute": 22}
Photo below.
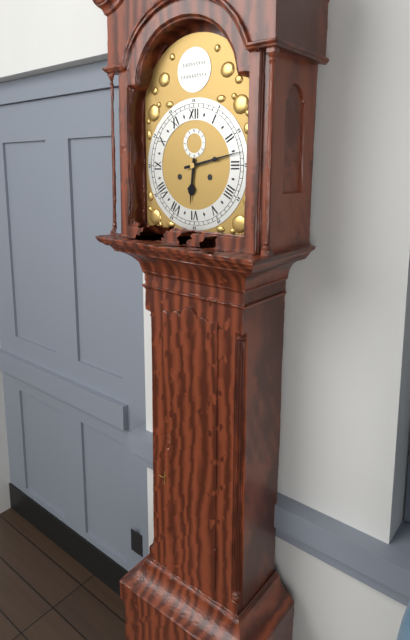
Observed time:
{"hour": 6, "minute": 13}
